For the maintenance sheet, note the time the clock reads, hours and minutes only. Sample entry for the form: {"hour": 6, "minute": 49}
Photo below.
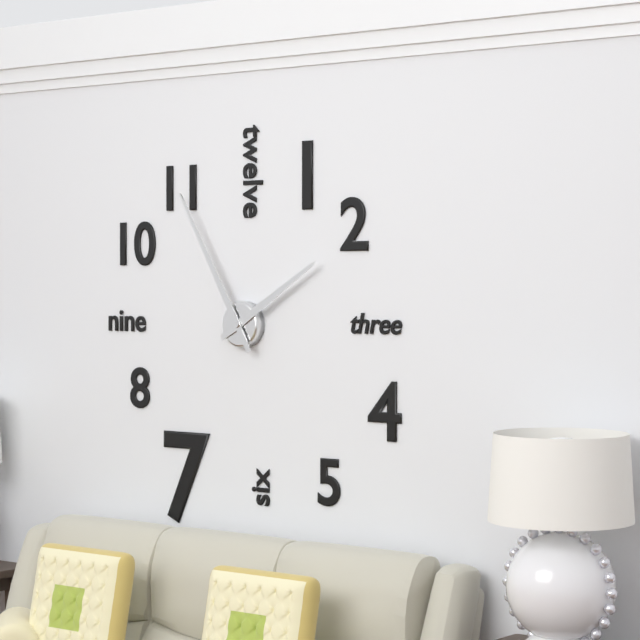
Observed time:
{"hour": 1, "minute": 55}
